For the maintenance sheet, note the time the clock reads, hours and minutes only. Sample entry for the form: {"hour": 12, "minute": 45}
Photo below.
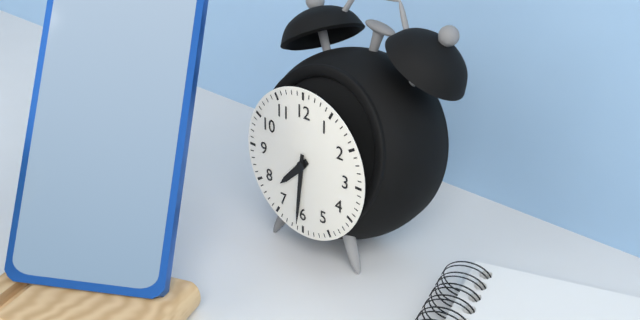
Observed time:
{"hour": 7, "minute": 31}
